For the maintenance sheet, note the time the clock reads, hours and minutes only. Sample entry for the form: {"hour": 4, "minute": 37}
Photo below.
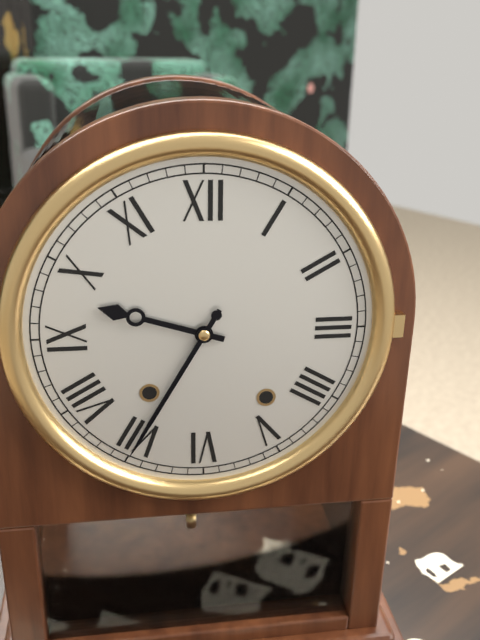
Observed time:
{"hour": 9, "minute": 35}
